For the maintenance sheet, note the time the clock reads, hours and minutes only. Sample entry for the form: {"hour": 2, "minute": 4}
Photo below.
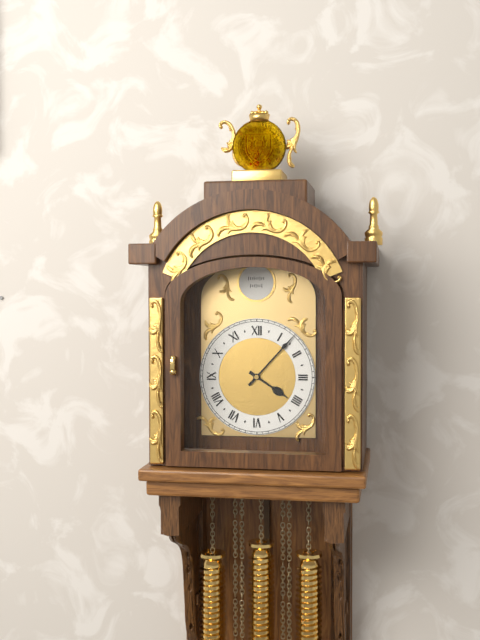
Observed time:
{"hour": 4, "minute": 7}
